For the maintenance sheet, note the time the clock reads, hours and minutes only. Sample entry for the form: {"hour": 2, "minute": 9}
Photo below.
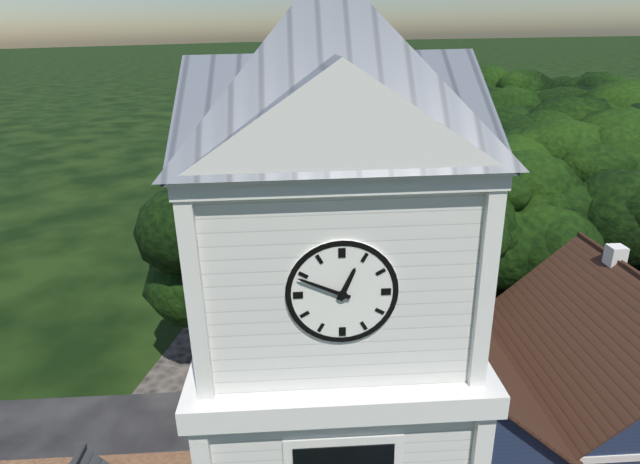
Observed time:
{"hour": 12, "minute": 49}
